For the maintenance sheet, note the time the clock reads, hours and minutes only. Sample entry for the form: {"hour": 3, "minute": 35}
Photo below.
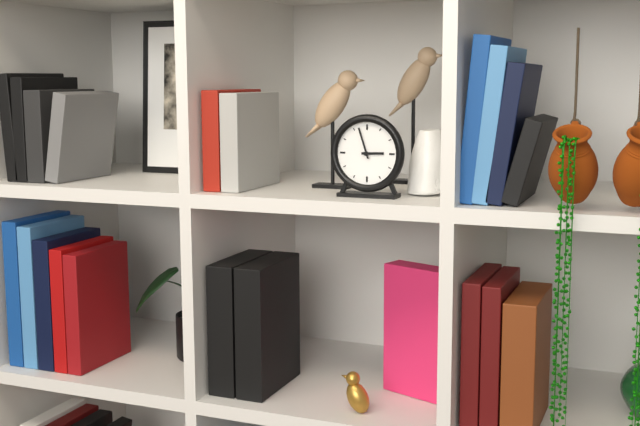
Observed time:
{"hour": 2, "minute": 57}
